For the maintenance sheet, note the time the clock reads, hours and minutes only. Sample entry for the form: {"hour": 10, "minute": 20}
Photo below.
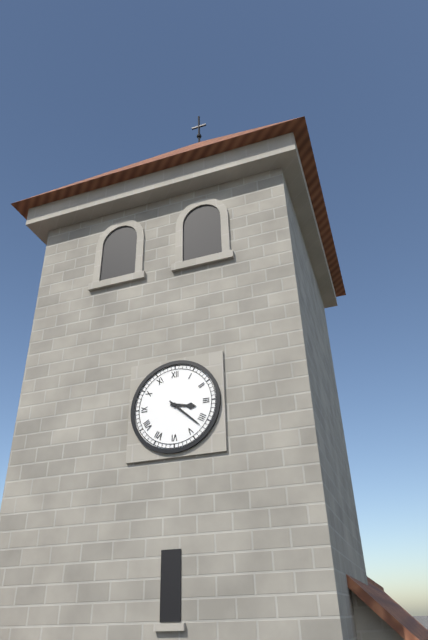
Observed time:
{"hour": 3, "minute": 22}
